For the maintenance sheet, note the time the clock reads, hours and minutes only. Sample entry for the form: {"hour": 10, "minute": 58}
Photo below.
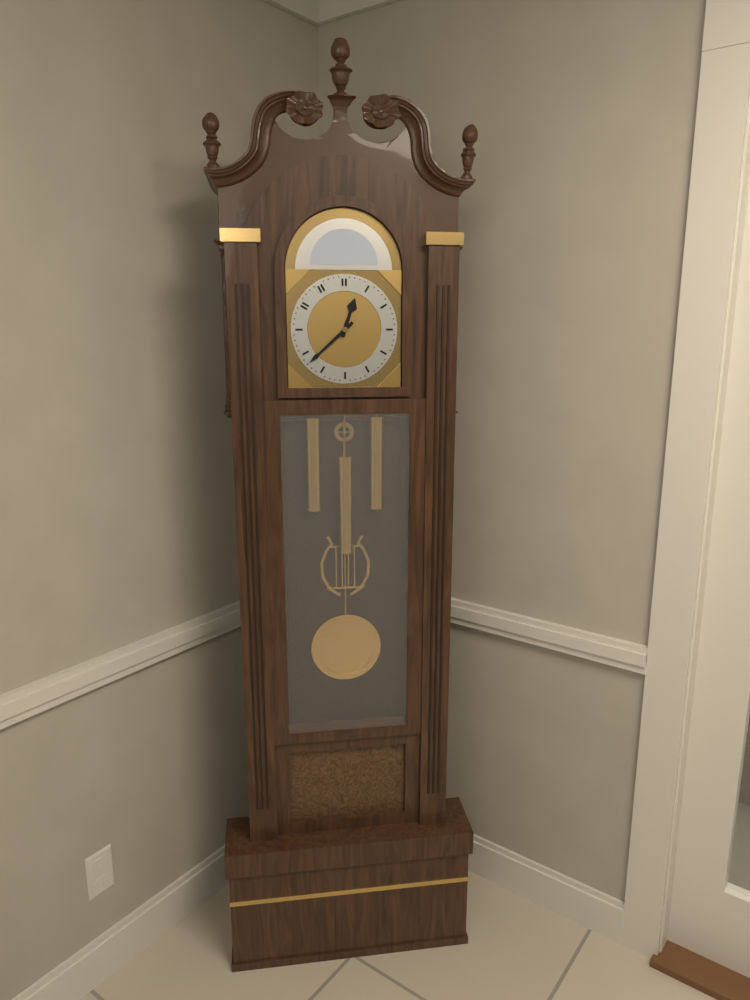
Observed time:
{"hour": 12, "minute": 38}
